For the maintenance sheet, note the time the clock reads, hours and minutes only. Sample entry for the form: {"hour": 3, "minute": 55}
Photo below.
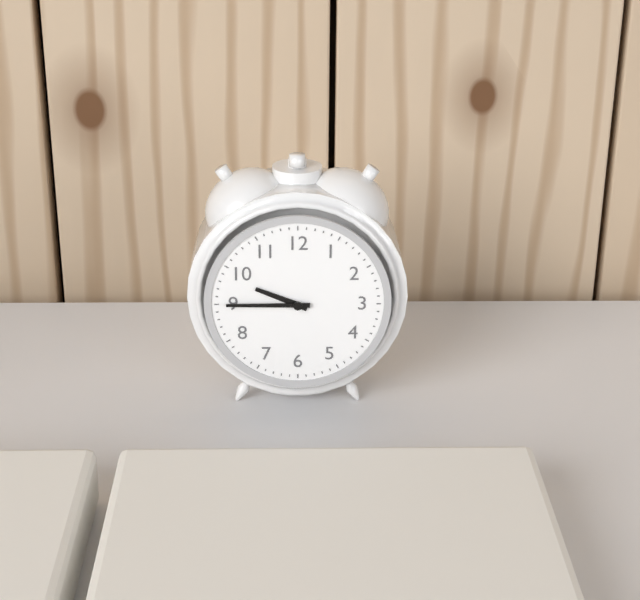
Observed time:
{"hour": 9, "minute": 45}
